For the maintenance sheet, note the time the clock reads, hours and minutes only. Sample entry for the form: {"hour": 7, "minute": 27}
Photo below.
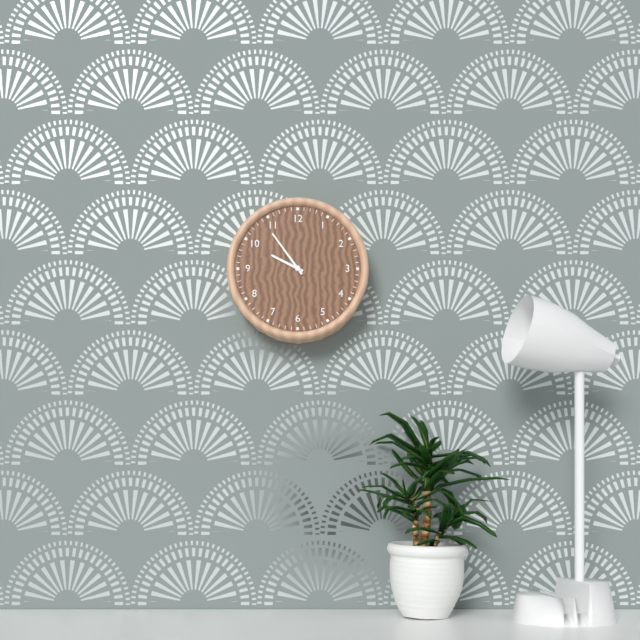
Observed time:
{"hour": 9, "minute": 54}
